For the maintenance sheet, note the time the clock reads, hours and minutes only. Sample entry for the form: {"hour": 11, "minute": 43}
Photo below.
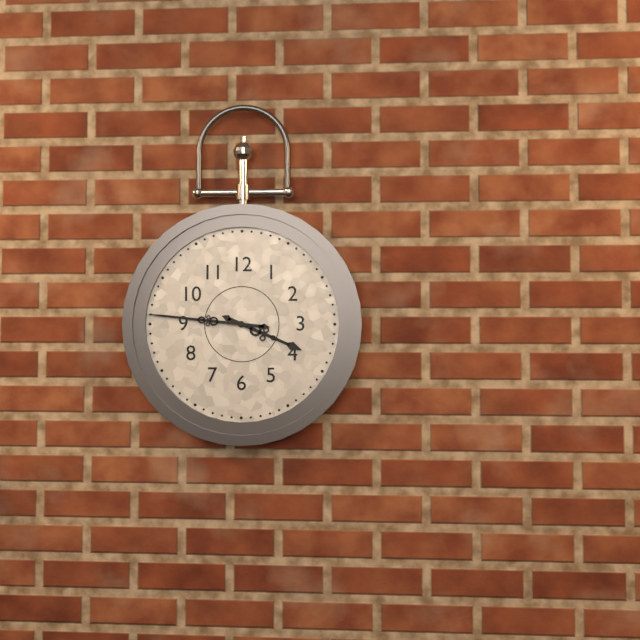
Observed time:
{"hour": 3, "minute": 46}
